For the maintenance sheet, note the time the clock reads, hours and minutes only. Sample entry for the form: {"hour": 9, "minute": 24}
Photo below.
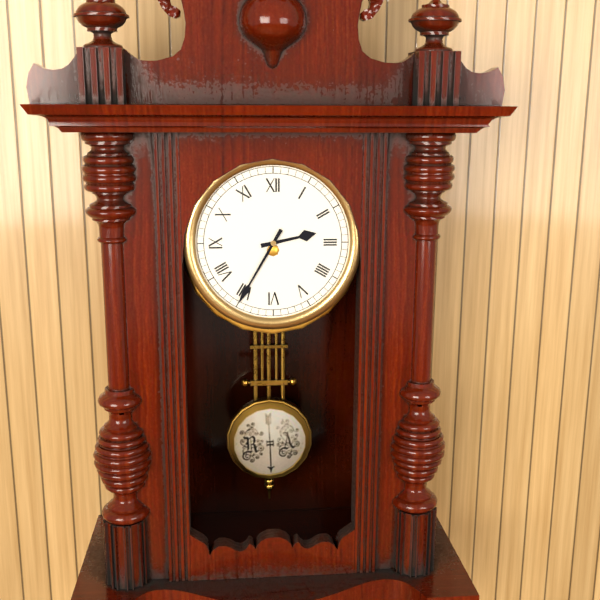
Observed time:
{"hour": 2, "minute": 35}
